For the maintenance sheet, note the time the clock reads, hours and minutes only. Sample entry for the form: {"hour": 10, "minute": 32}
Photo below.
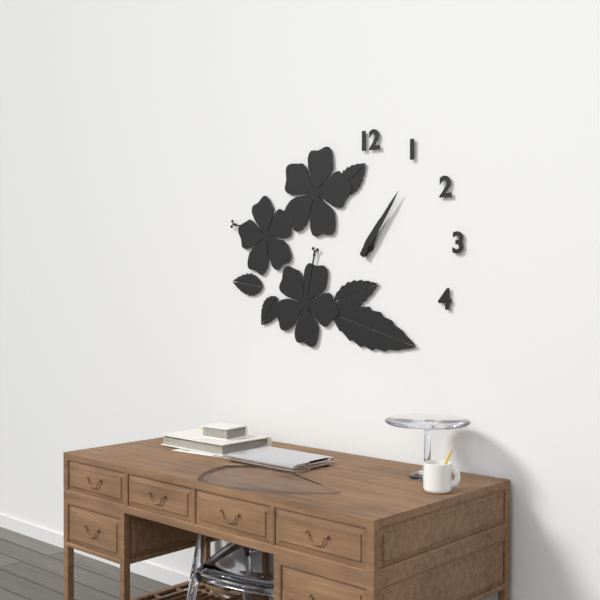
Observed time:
{"hour": 1, "minute": 6}
